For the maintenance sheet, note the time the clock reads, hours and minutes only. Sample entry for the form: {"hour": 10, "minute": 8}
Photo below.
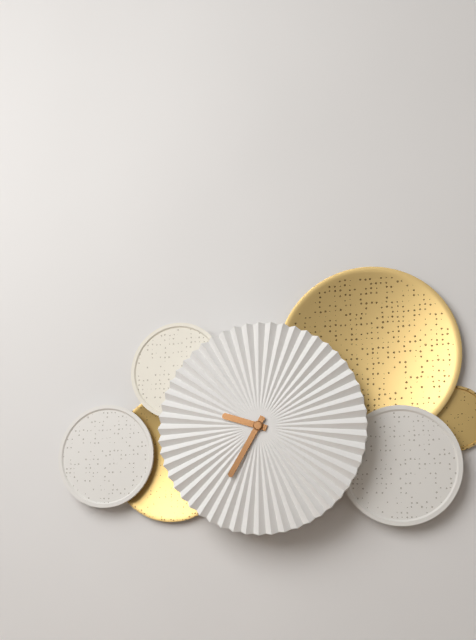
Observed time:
{"hour": 9, "minute": 35}
